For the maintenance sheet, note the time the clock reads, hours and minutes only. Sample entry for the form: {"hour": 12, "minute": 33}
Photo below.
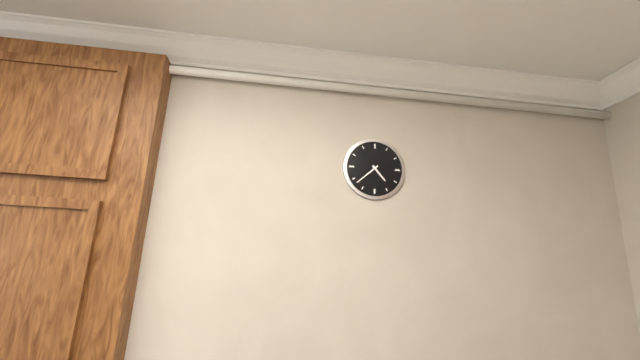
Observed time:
{"hour": 4, "minute": 38}
